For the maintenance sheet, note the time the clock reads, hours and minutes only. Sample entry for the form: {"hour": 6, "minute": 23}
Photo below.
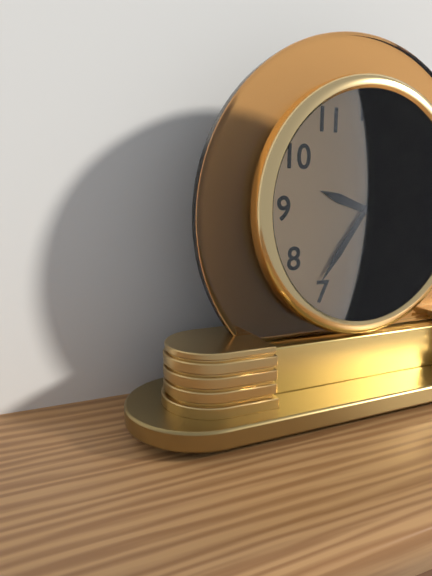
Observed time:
{"hour": 9, "minute": 36}
